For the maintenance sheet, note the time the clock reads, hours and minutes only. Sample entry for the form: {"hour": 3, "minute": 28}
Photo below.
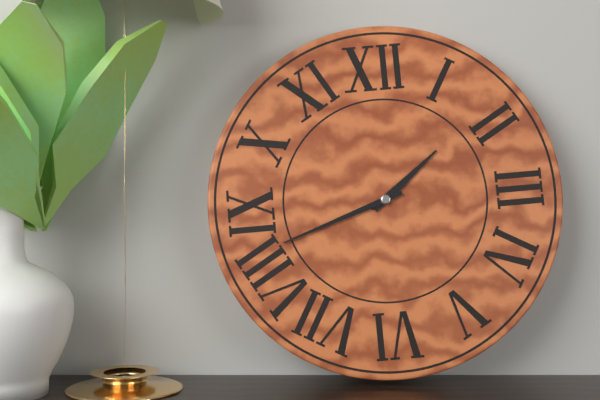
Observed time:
{"hour": 1, "minute": 42}
